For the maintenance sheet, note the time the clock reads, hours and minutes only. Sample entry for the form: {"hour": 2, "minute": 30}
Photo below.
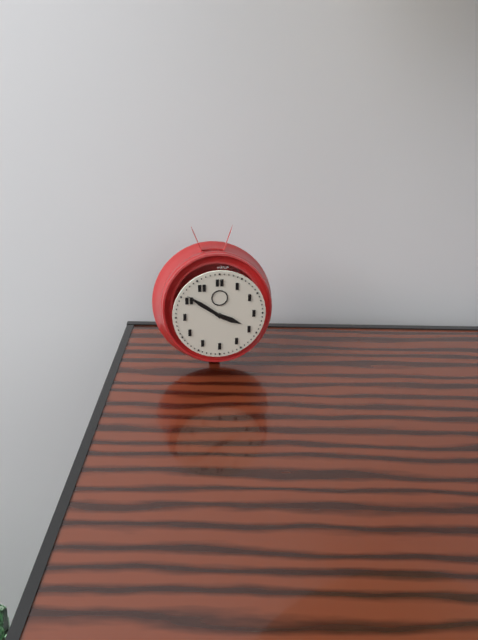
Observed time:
{"hour": 3, "minute": 51}
